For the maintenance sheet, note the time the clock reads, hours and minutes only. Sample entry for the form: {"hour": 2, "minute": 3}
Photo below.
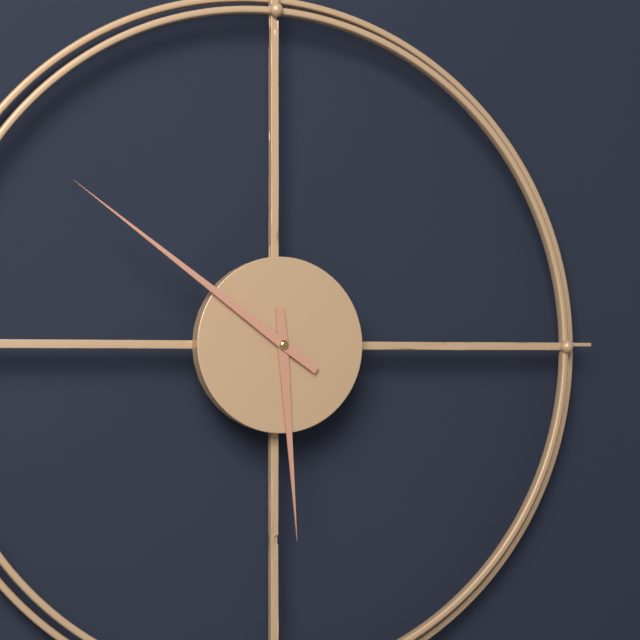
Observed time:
{"hour": 5, "minute": 51}
